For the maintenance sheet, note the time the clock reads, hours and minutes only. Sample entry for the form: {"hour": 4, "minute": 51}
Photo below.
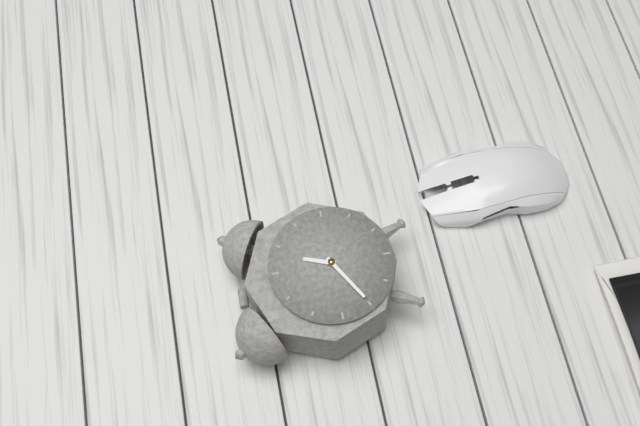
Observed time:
{"hour": 12, "minute": 40}
